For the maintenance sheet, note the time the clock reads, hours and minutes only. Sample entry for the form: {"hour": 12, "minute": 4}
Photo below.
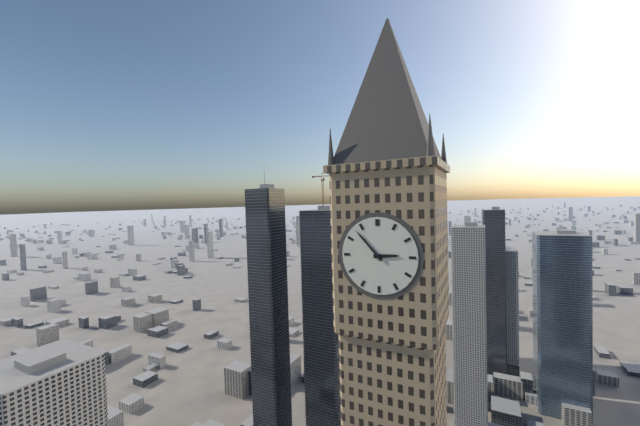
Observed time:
{"hour": 2, "minute": 53}
